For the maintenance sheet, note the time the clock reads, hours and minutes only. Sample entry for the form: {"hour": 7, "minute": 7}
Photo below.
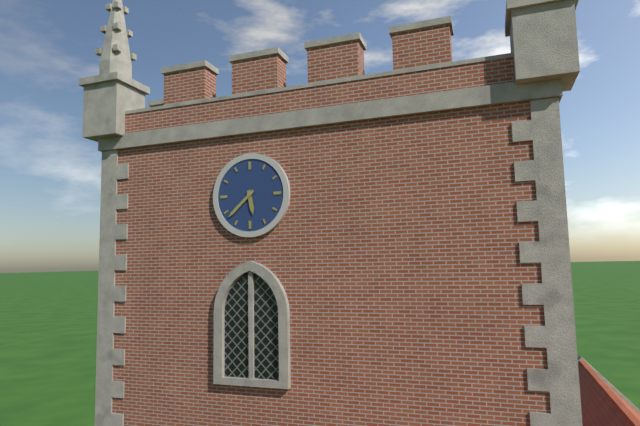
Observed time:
{"hour": 5, "minute": 38}
